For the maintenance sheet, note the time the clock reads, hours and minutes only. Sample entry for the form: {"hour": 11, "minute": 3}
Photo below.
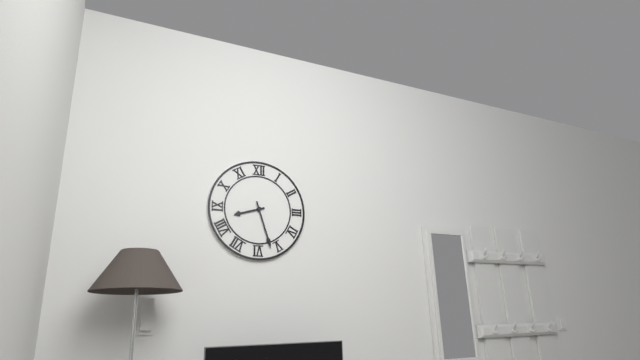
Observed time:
{"hour": 8, "minute": 27}
